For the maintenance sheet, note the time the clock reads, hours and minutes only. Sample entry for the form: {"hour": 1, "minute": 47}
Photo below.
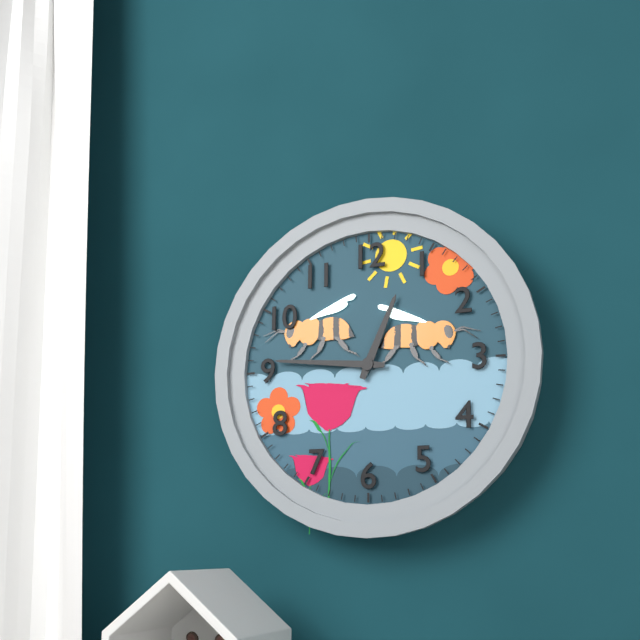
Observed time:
{"hour": 12, "minute": 46}
